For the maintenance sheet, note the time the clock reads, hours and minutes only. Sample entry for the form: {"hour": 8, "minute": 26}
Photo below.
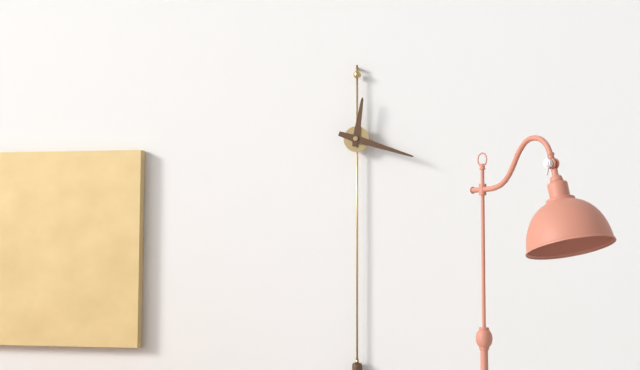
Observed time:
{"hour": 12, "minute": 18}
